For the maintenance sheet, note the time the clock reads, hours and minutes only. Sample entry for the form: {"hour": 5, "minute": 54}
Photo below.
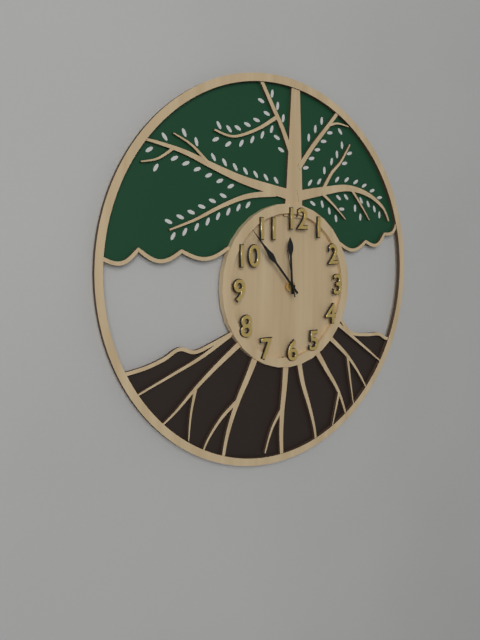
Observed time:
{"hour": 11, "minute": 53}
